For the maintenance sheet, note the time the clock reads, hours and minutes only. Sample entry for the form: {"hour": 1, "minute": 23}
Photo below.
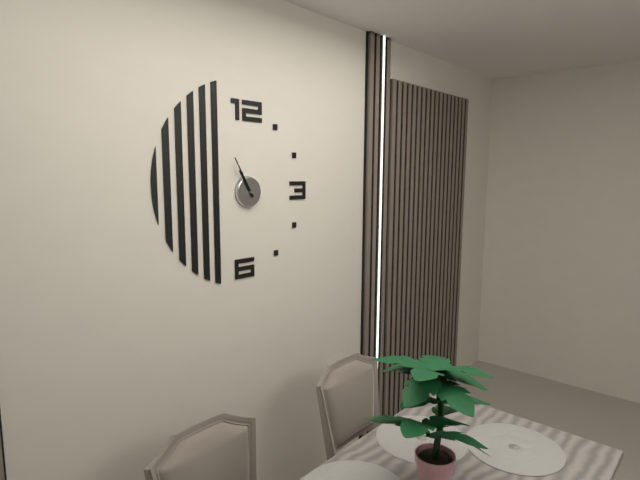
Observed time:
{"hour": 10, "minute": 55}
